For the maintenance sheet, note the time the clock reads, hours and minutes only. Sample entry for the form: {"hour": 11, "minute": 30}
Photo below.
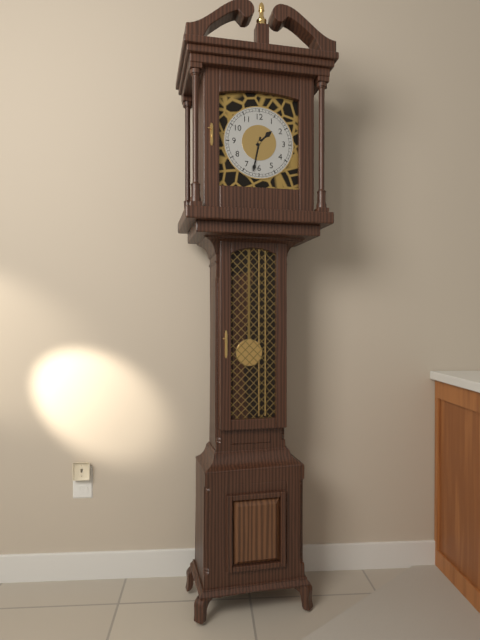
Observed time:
{"hour": 1, "minute": 32}
